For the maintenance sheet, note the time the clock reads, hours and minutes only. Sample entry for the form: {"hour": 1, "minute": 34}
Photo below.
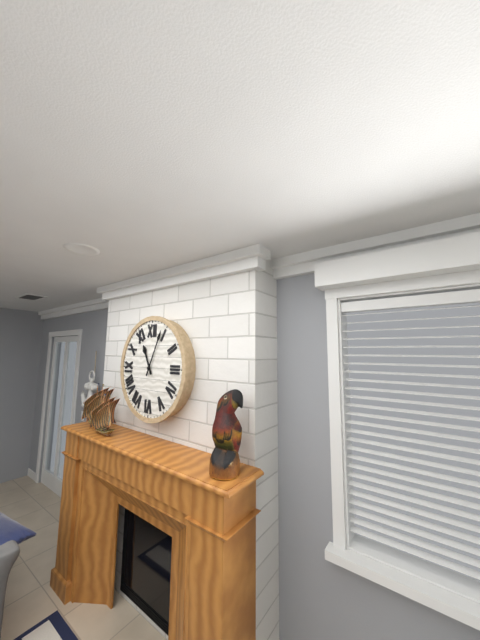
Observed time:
{"hour": 11, "minute": 4}
